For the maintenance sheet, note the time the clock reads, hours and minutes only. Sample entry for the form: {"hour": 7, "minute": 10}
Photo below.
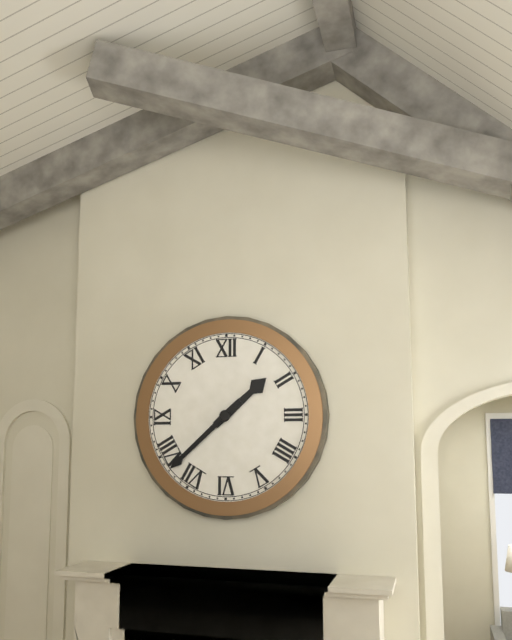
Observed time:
{"hour": 1, "minute": 38}
